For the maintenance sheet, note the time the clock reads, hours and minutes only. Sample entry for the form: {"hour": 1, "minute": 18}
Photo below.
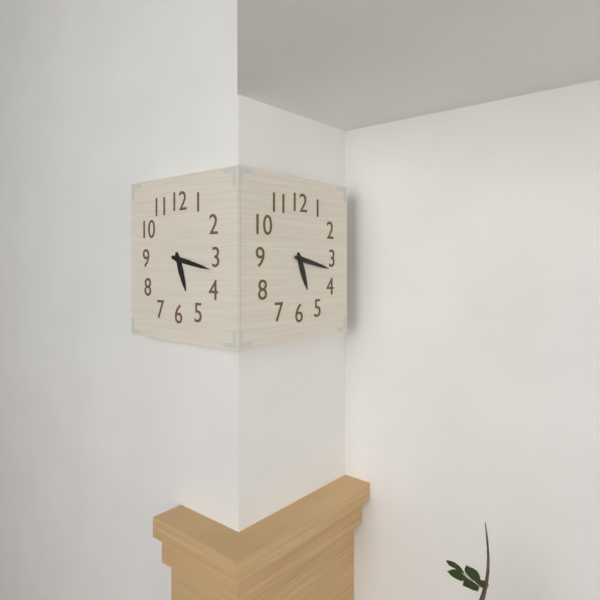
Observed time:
{"hour": 5, "minute": 17}
